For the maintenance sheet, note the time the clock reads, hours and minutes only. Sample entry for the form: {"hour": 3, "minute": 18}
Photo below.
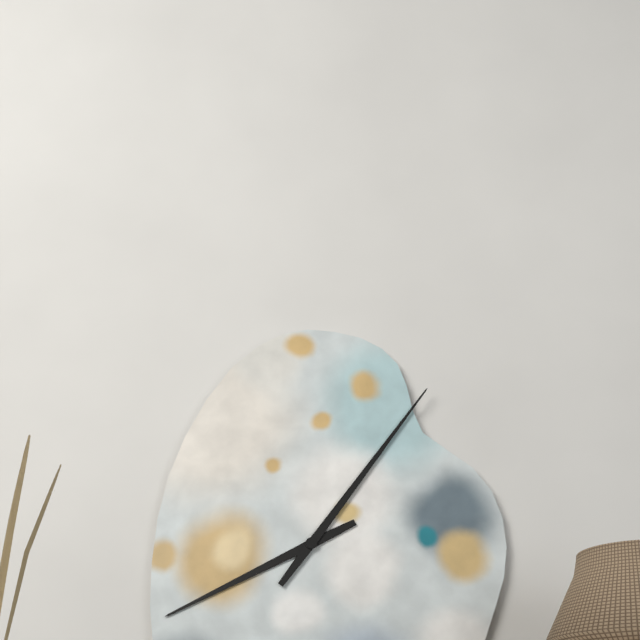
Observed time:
{"hour": 8, "minute": 6}
